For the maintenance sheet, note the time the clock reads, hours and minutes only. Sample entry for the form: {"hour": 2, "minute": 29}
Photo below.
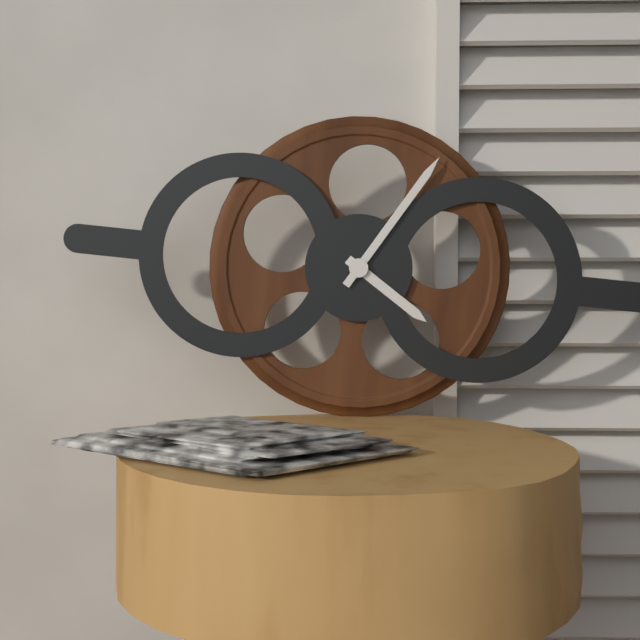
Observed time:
{"hour": 4, "minute": 5}
